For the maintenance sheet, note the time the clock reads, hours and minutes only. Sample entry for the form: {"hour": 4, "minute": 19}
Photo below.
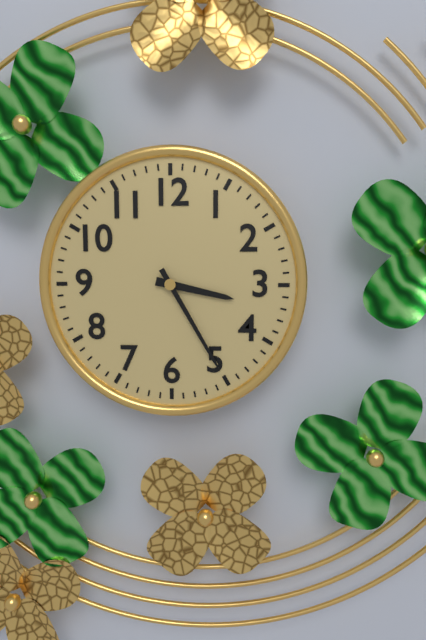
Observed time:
{"hour": 3, "minute": 25}
